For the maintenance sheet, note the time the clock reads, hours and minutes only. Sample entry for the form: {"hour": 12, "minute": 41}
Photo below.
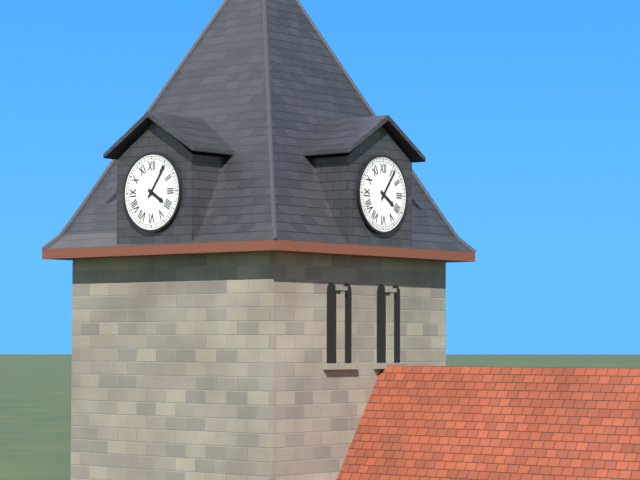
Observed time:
{"hour": 4, "minute": 6}
